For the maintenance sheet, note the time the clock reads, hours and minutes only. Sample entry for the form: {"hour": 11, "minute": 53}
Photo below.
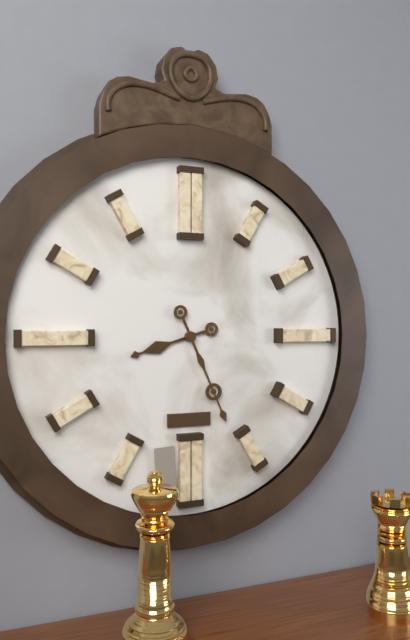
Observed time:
{"hour": 8, "minute": 26}
